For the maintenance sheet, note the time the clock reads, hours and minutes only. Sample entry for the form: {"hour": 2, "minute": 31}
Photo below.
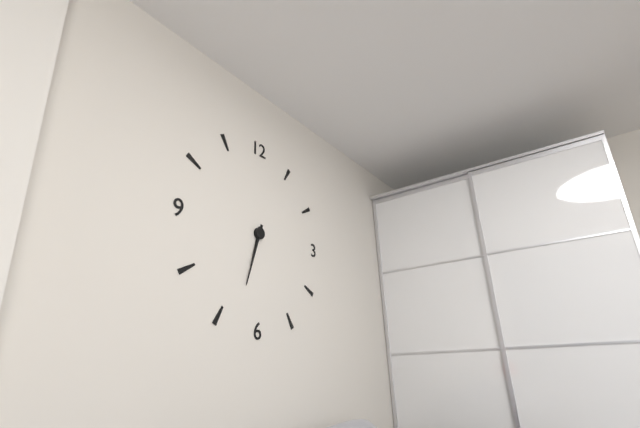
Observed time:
{"hour": 6, "minute": 33}
